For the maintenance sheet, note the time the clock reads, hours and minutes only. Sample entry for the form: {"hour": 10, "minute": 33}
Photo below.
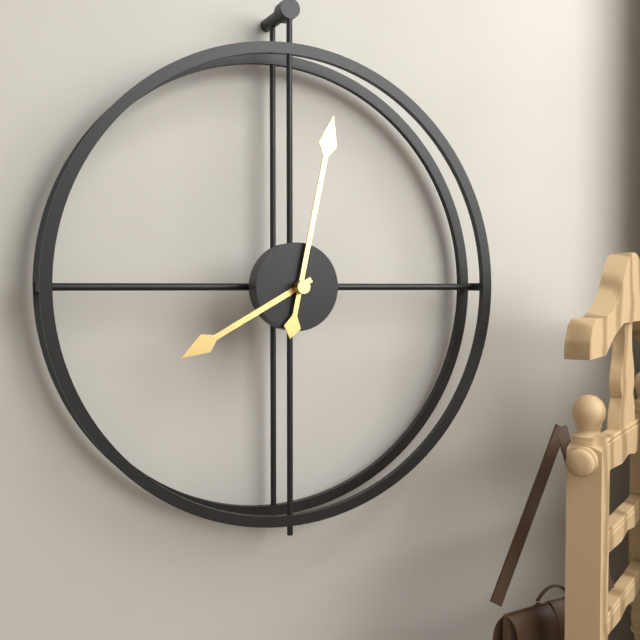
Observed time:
{"hour": 8, "minute": 2}
